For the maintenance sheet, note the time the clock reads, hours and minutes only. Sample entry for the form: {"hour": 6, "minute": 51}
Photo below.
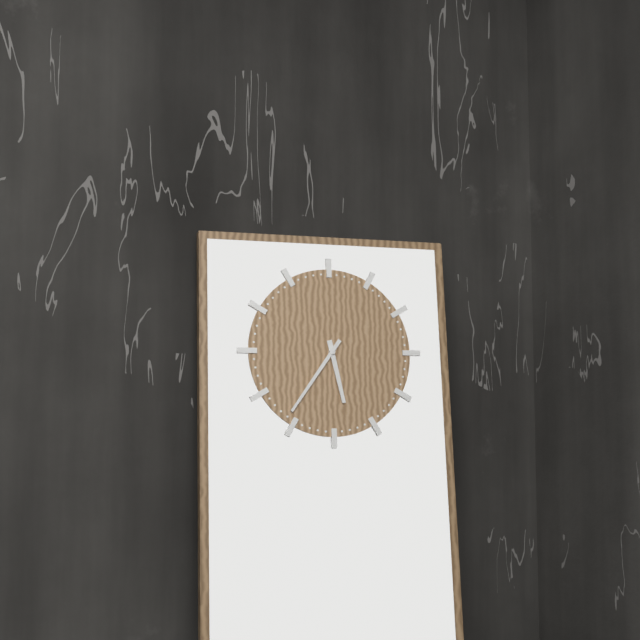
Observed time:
{"hour": 5, "minute": 36}
